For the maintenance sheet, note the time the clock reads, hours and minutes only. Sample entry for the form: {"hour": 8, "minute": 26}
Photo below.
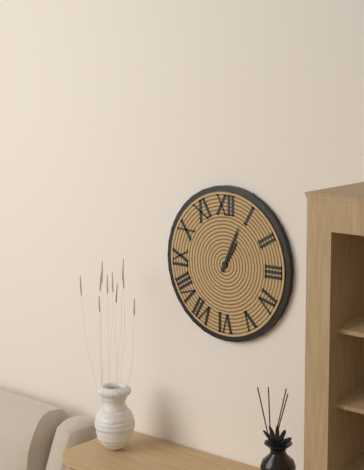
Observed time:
{"hour": 1, "minute": 4}
